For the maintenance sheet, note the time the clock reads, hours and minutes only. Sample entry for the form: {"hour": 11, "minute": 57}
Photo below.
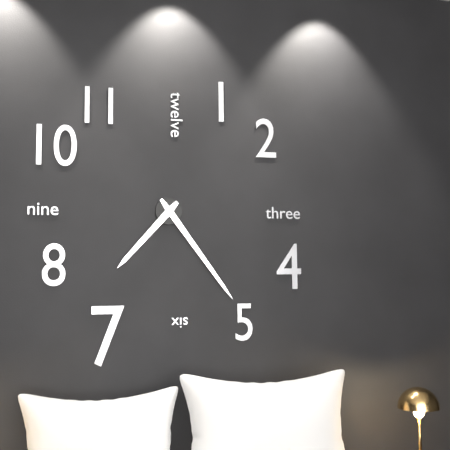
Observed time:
{"hour": 7, "minute": 24}
